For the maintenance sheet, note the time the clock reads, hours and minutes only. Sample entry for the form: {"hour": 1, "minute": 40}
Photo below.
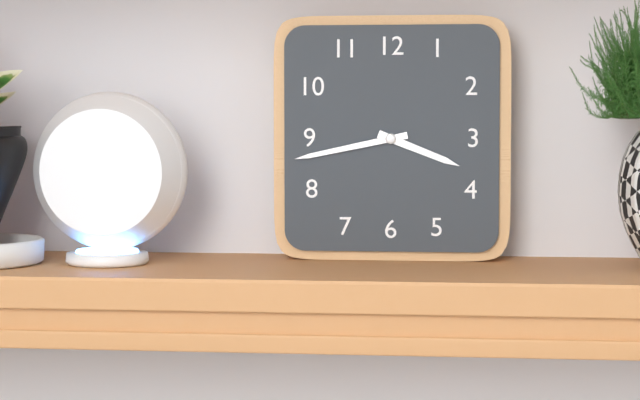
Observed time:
{"hour": 3, "minute": 43}
